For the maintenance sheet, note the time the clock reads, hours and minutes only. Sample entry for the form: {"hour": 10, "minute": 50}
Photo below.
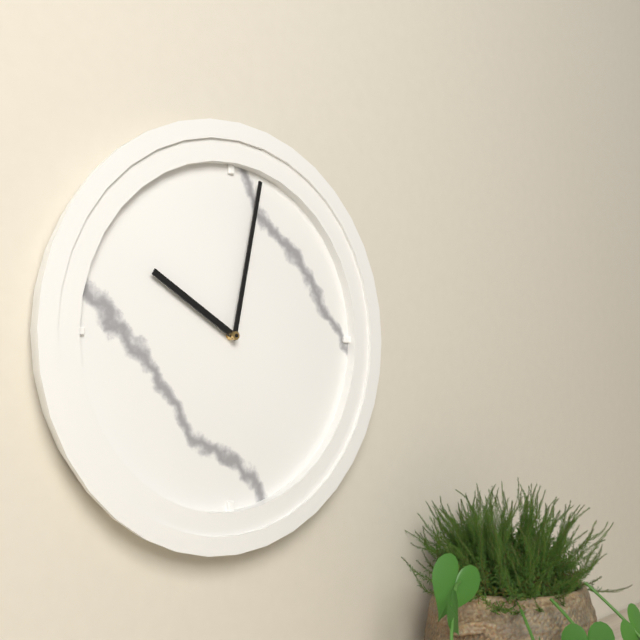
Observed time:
{"hour": 10, "minute": 2}
